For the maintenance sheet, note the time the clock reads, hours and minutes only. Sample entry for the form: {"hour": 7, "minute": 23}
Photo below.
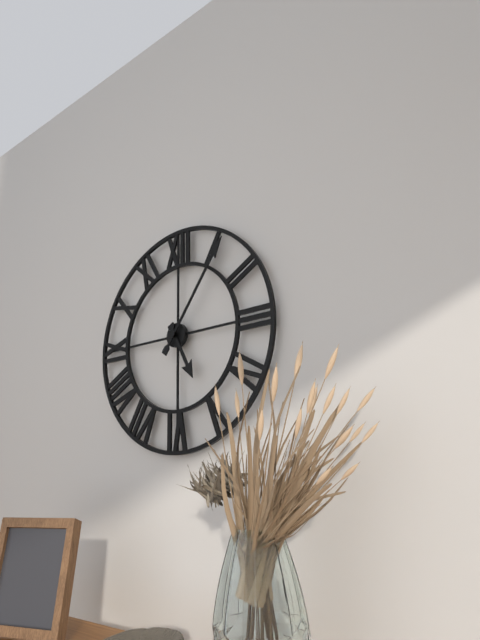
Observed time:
{"hour": 5, "minute": 6}
